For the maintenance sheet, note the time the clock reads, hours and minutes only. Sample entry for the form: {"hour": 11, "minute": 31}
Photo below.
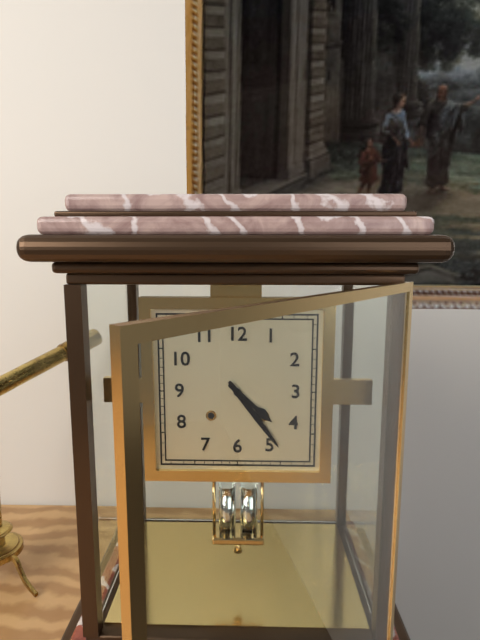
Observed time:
{"hour": 4, "minute": 24}
